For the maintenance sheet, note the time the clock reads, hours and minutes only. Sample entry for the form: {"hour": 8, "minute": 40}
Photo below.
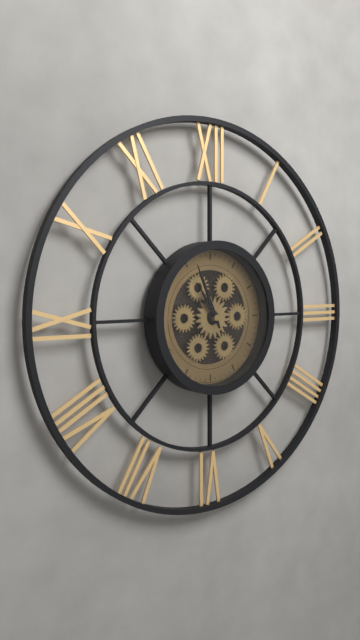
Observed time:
{"hour": 10, "minute": 56}
